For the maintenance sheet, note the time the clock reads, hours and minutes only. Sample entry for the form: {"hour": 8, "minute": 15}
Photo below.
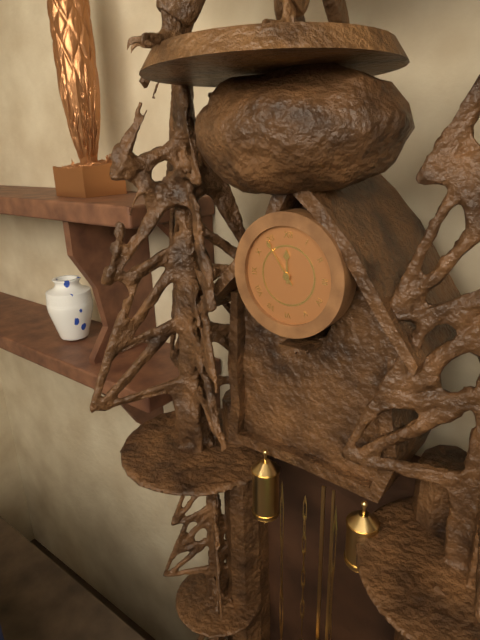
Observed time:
{"hour": 11, "minute": 54}
